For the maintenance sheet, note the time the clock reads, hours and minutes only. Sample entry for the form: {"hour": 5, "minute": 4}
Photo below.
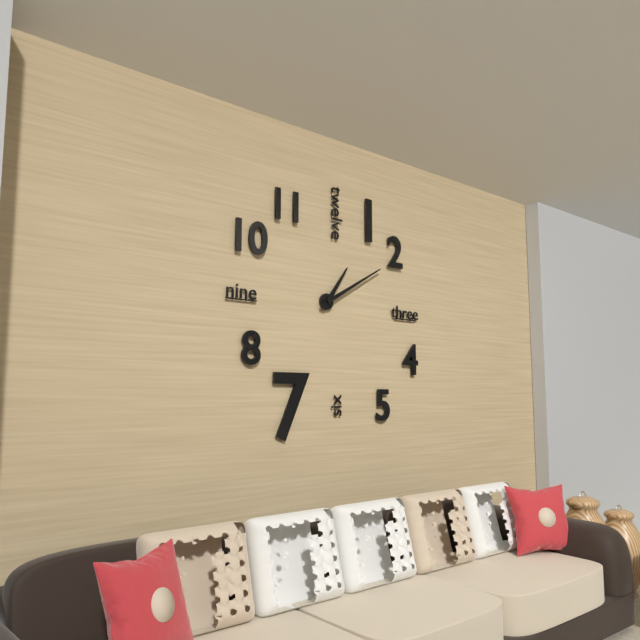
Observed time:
{"hour": 1, "minute": 10}
